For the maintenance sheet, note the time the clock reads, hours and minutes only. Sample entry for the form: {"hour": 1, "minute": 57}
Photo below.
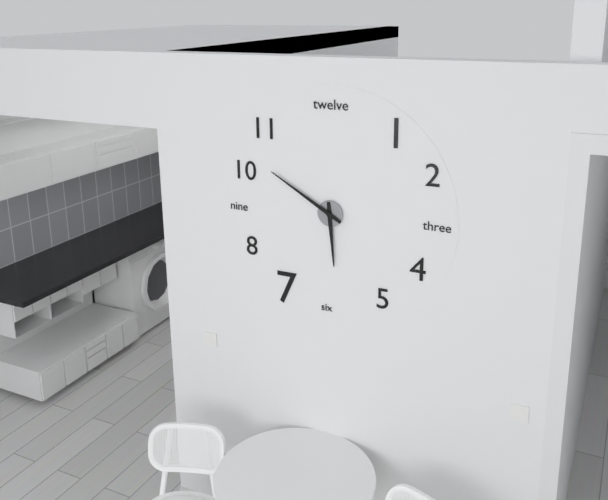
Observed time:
{"hour": 5, "minute": 50}
